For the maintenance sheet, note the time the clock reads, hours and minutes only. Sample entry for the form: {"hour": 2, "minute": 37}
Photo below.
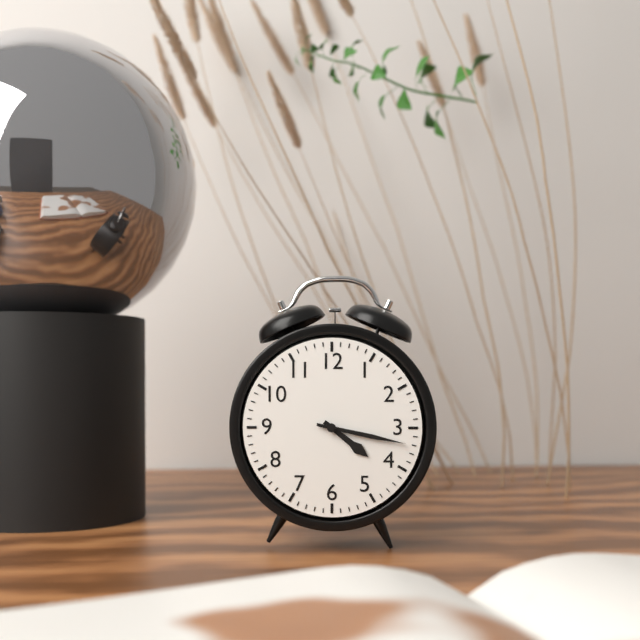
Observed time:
{"hour": 4, "minute": 17}
